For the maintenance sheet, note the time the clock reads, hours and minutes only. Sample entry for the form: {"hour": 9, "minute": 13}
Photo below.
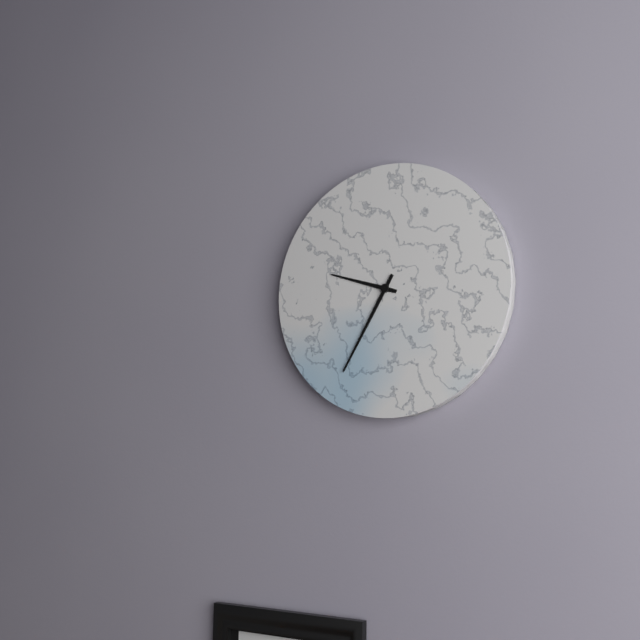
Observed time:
{"hour": 9, "minute": 35}
